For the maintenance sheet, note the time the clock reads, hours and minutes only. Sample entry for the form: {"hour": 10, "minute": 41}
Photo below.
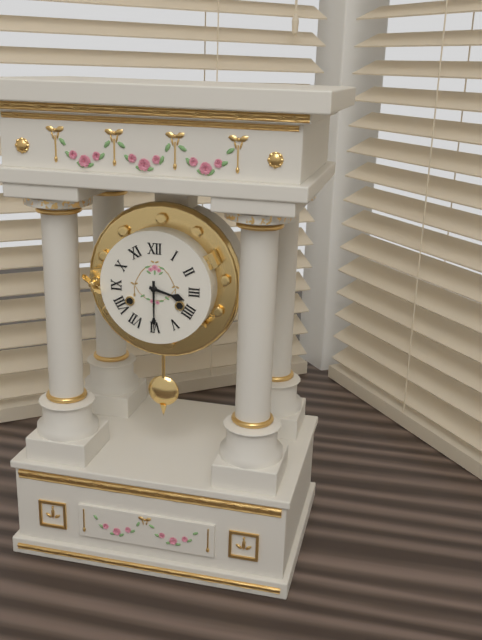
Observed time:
{"hour": 3, "minute": 30}
